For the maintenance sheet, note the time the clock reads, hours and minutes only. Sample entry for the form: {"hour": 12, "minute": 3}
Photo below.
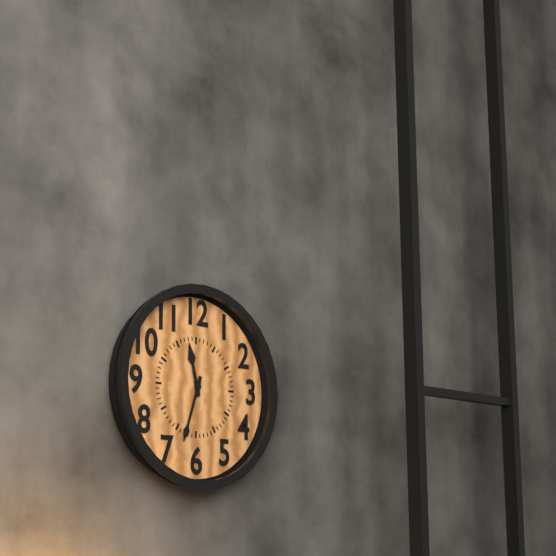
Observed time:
{"hour": 11, "minute": 33}
